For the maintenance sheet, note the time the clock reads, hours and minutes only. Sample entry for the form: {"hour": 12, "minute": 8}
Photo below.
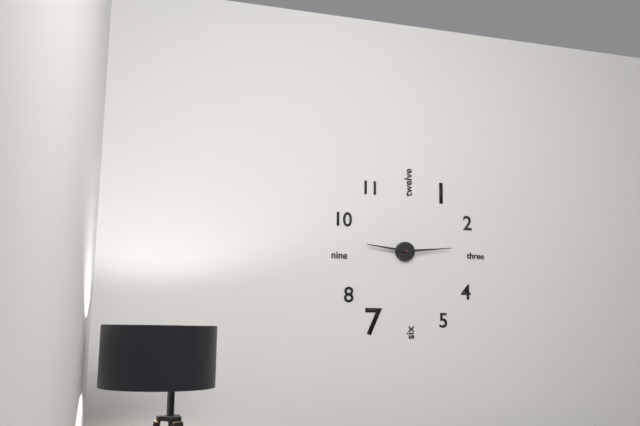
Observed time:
{"hour": 9, "minute": 14}
